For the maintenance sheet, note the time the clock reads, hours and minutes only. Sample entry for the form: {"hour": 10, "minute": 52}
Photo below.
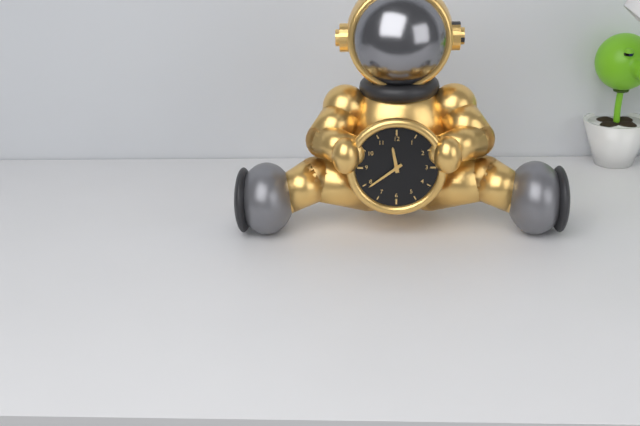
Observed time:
{"hour": 11, "minute": 39}
